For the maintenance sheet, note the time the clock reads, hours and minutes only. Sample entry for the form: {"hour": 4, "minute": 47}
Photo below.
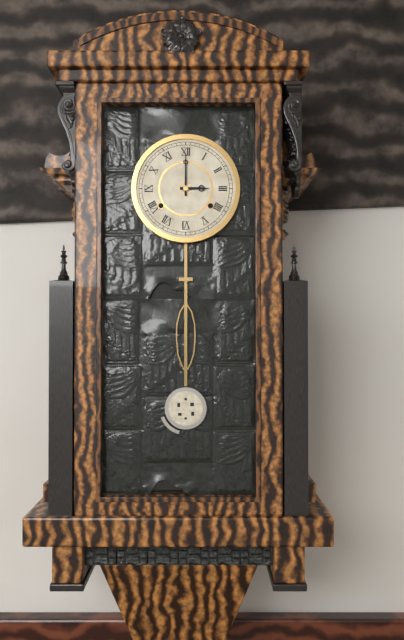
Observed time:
{"hour": 3, "minute": 0}
